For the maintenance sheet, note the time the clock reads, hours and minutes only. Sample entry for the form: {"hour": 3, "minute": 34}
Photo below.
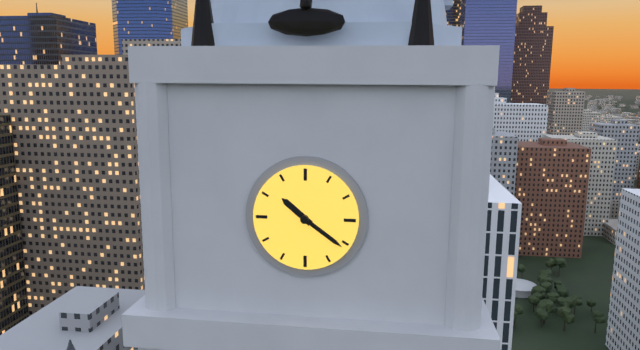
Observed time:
{"hour": 10, "minute": 21}
